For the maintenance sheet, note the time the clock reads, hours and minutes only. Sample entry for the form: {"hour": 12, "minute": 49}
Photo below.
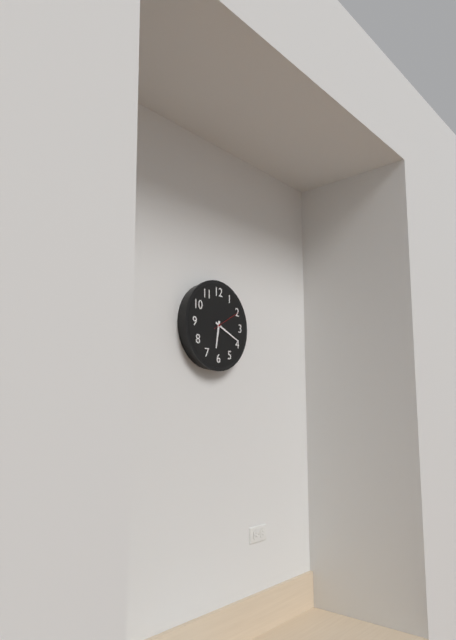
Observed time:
{"hour": 6, "minute": 19}
